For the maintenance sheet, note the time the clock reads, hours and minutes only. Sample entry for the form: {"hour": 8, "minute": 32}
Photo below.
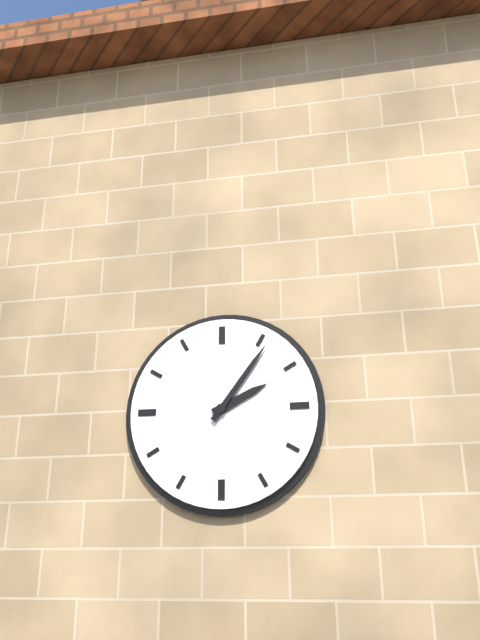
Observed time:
{"hour": 2, "minute": 6}
